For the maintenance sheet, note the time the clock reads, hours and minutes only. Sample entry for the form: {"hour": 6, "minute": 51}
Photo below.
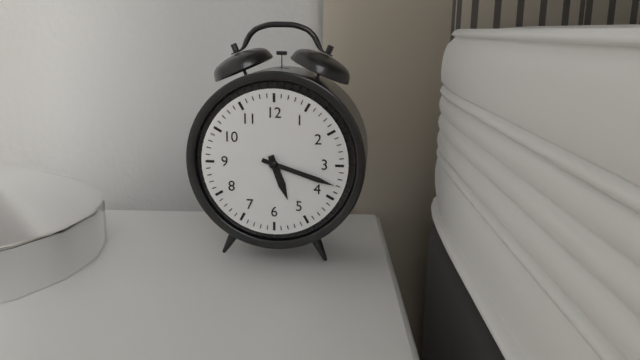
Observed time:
{"hour": 5, "minute": 18}
